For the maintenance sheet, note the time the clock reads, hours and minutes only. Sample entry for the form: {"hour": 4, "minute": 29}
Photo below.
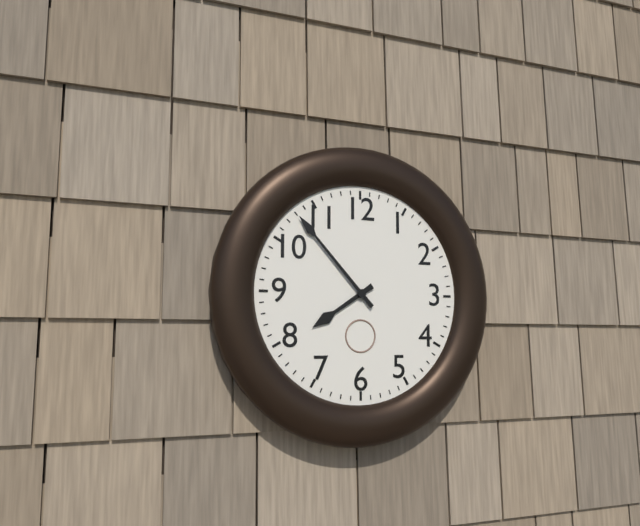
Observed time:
{"hour": 7, "minute": 53}
